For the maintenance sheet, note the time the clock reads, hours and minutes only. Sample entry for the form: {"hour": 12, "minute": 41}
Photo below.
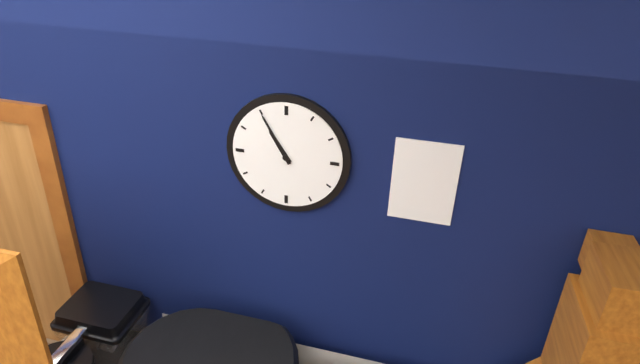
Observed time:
{"hour": 10, "minute": 55}
